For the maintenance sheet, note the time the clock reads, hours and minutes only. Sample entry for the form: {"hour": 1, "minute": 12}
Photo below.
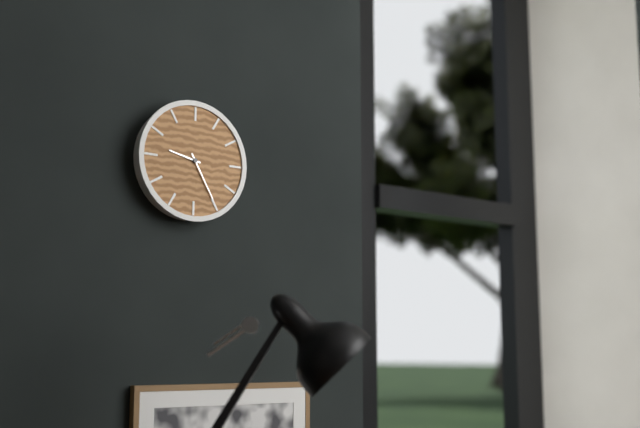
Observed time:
{"hour": 9, "minute": 25}
